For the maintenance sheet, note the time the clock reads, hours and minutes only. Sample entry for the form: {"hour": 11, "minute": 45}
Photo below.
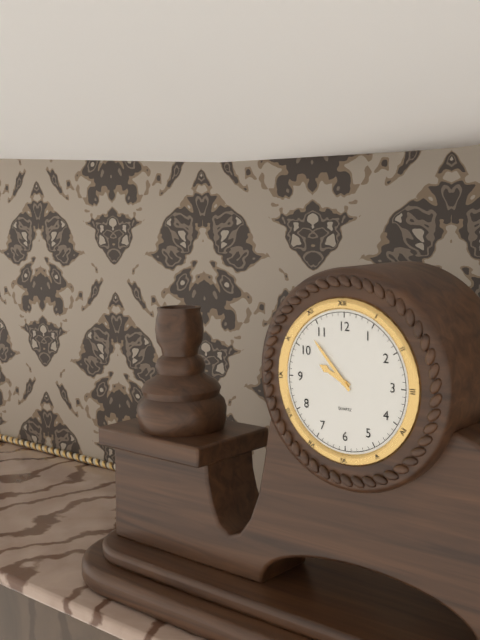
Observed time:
{"hour": 9, "minute": 53}
